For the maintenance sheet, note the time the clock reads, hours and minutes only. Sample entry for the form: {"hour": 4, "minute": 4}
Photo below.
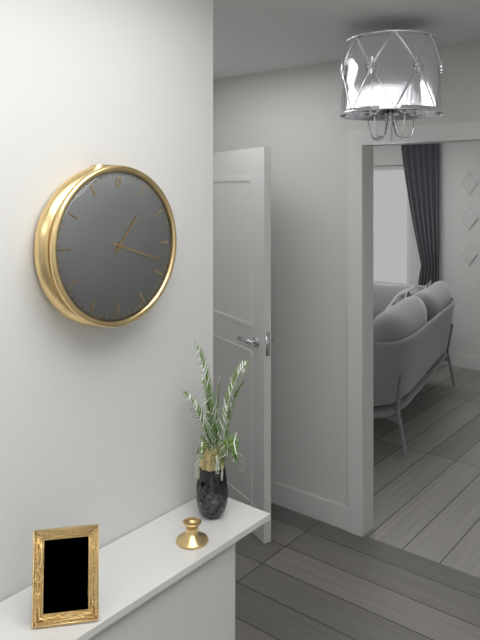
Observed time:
{"hour": 1, "minute": 18}
